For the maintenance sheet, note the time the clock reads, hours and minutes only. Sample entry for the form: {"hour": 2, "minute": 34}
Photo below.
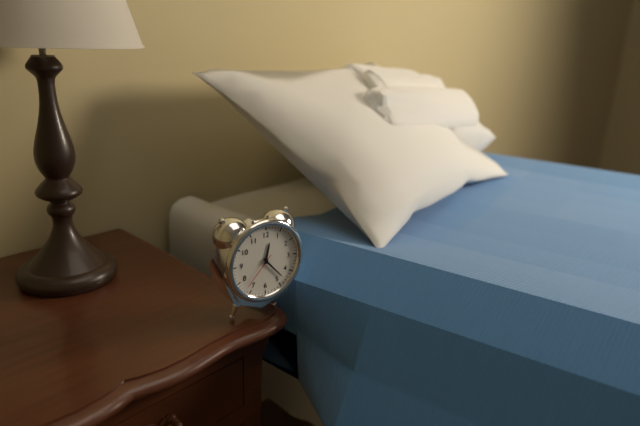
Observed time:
{"hour": 12, "minute": 23}
